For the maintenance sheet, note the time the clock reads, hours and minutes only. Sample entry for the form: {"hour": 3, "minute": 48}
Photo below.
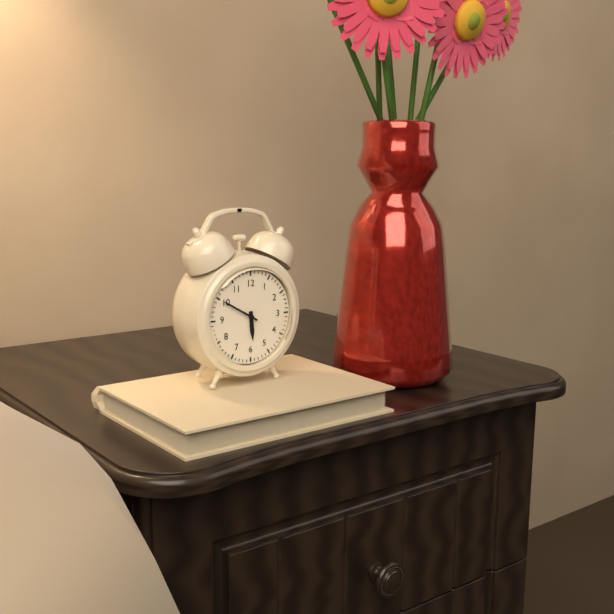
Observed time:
{"hour": 5, "minute": 50}
